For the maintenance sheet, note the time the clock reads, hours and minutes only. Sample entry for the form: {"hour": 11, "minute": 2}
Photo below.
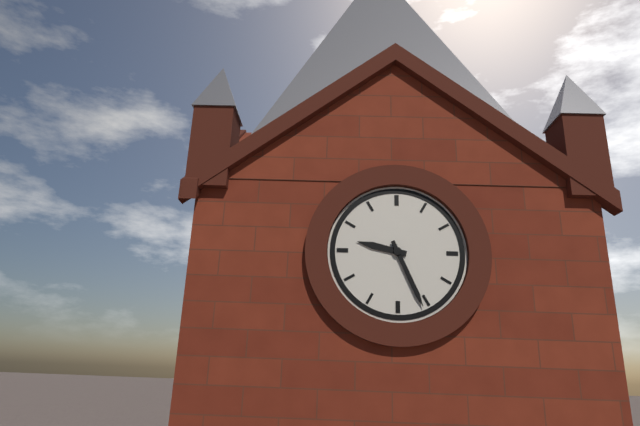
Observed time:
{"hour": 9, "minute": 26}
